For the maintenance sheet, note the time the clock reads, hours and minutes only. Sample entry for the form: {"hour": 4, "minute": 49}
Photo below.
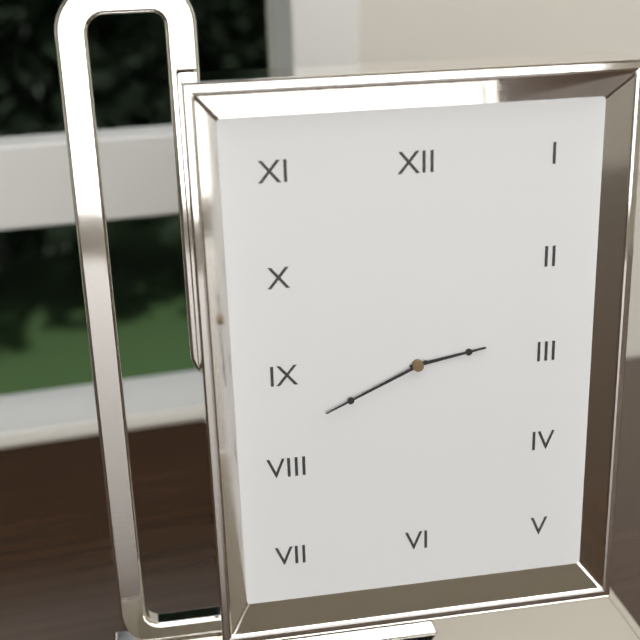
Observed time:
{"hour": 2, "minute": 41}
